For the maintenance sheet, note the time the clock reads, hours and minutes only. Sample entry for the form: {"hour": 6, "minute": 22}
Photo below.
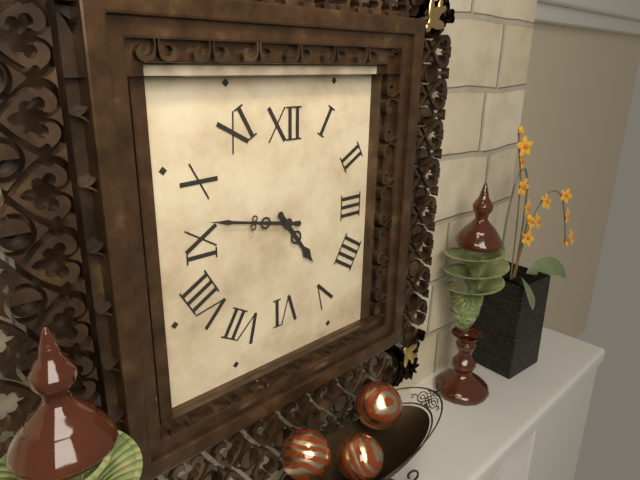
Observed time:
{"hour": 4, "minute": 47}
